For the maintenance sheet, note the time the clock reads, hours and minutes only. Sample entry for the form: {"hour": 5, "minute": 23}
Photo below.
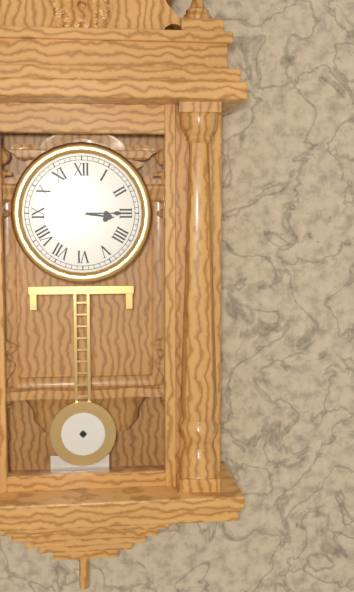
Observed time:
{"hour": 3, "minute": 15}
